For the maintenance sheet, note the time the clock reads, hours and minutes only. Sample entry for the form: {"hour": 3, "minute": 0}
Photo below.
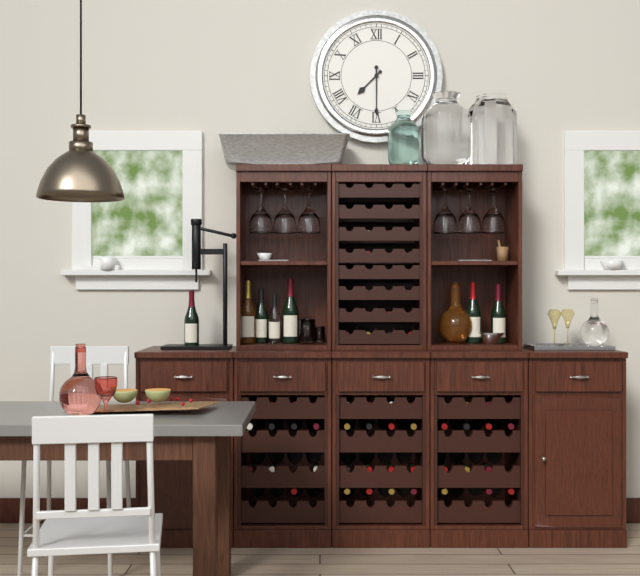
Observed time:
{"hour": 7, "minute": 30}
